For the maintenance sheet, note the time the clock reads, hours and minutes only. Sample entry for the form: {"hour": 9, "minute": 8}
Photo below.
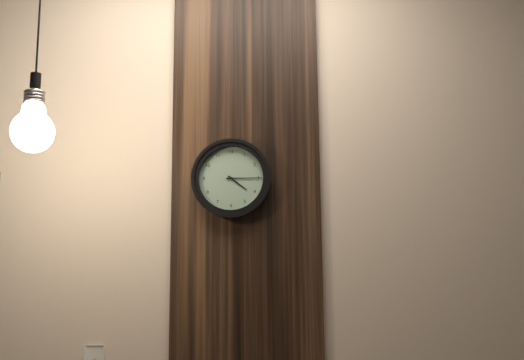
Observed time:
{"hour": 4, "minute": 15}
